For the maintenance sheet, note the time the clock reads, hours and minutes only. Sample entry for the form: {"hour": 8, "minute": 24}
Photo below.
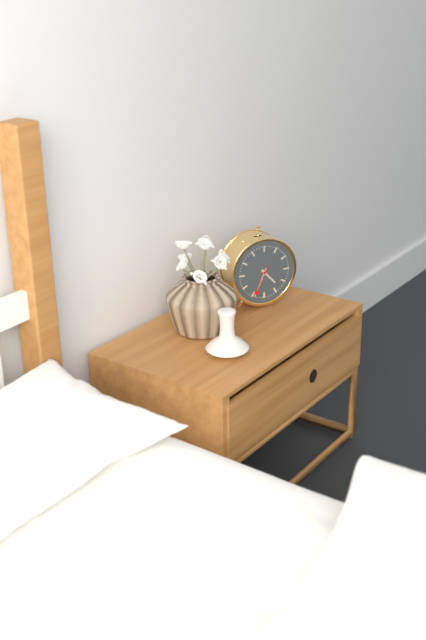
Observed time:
{"hour": 4, "minute": 34}
